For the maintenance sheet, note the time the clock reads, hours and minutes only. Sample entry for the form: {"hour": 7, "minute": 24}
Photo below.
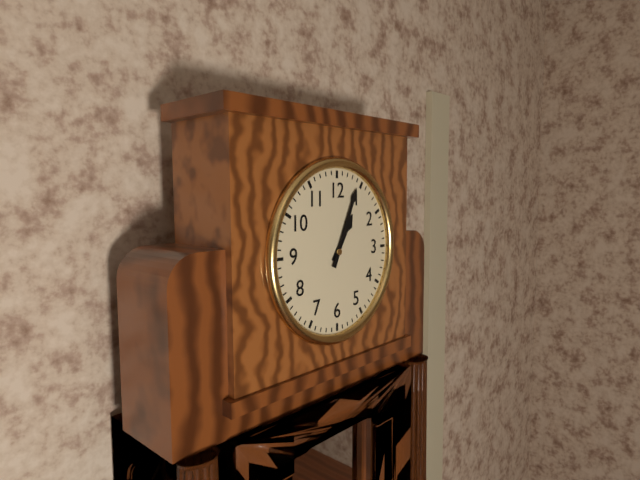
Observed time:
{"hour": 1, "minute": 4}
